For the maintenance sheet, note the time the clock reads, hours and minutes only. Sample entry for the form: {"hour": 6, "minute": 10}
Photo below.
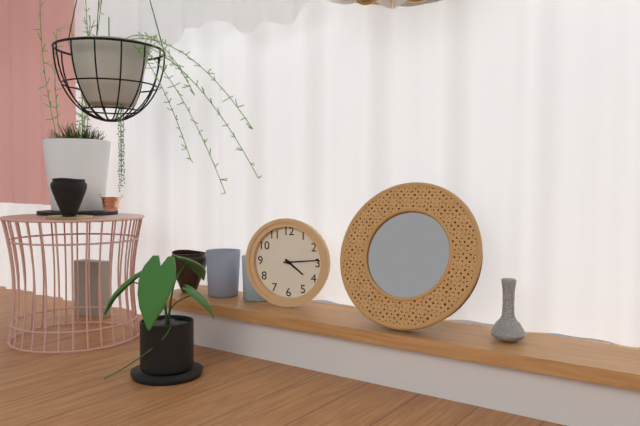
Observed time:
{"hour": 4, "minute": 14}
